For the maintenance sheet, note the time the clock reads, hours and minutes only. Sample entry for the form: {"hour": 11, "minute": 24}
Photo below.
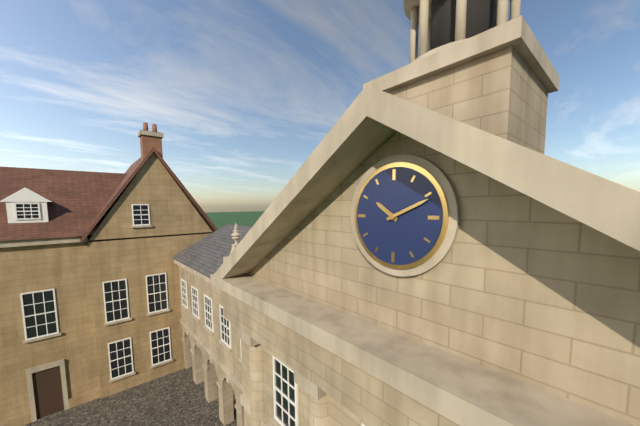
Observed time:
{"hour": 10, "minute": 11}
